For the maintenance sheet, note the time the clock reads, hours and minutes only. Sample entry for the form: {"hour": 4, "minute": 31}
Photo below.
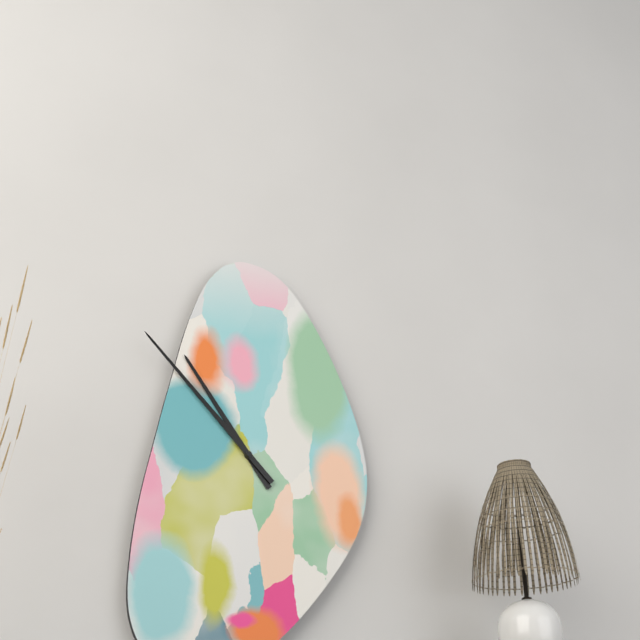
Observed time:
{"hour": 10, "minute": 53}
